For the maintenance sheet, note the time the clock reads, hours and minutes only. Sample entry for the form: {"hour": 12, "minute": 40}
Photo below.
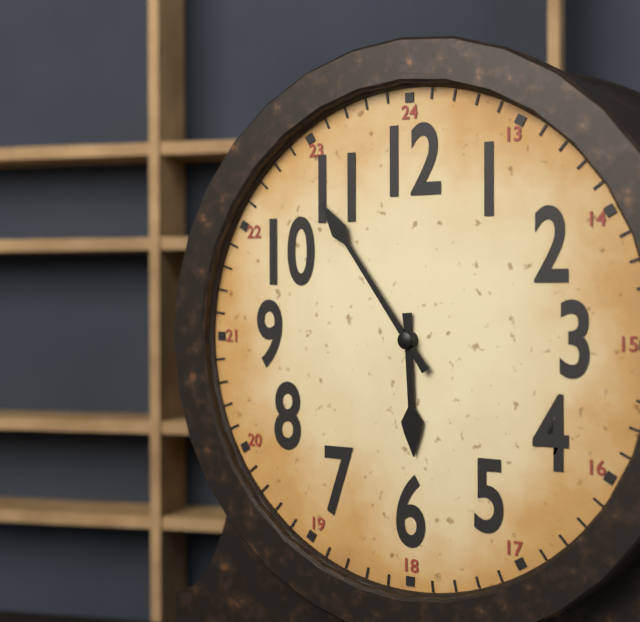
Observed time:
{"hour": 5, "minute": 54}
